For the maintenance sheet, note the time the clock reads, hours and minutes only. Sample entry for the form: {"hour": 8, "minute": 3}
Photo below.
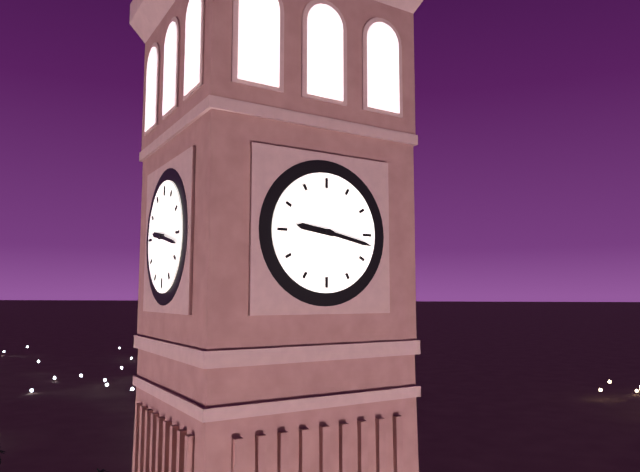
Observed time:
{"hour": 9, "minute": 17}
